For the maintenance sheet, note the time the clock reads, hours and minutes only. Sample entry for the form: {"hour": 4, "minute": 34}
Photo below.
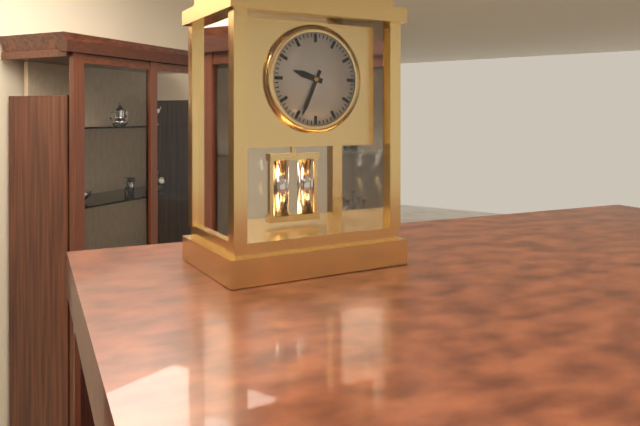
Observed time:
{"hour": 9, "minute": 34}
